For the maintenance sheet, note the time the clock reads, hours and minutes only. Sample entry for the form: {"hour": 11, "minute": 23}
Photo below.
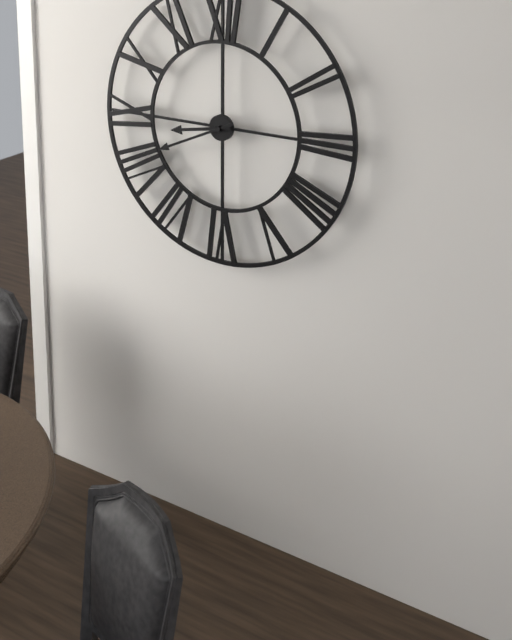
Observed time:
{"hour": 8, "minute": 41}
